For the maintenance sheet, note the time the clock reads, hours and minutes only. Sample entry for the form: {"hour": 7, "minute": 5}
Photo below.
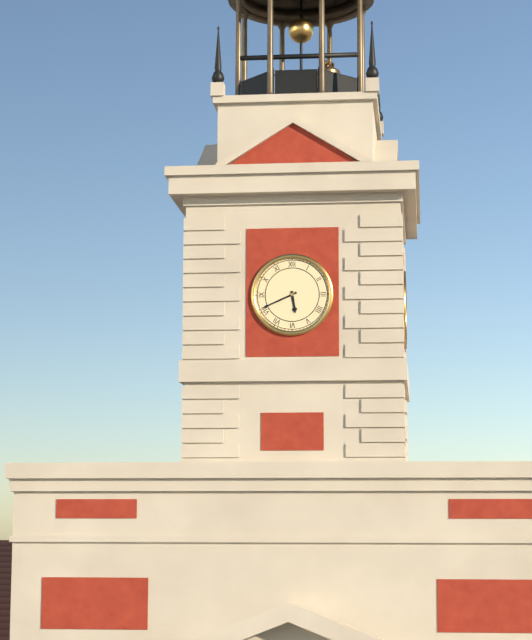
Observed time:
{"hour": 5, "minute": 41}
